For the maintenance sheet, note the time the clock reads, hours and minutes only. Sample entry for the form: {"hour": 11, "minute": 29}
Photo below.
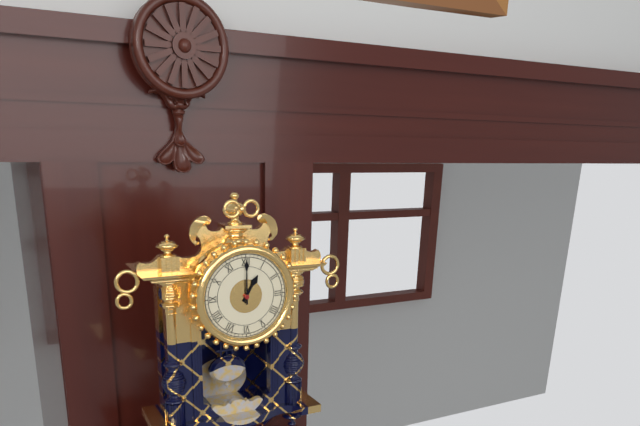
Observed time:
{"hour": 1, "minute": 0}
